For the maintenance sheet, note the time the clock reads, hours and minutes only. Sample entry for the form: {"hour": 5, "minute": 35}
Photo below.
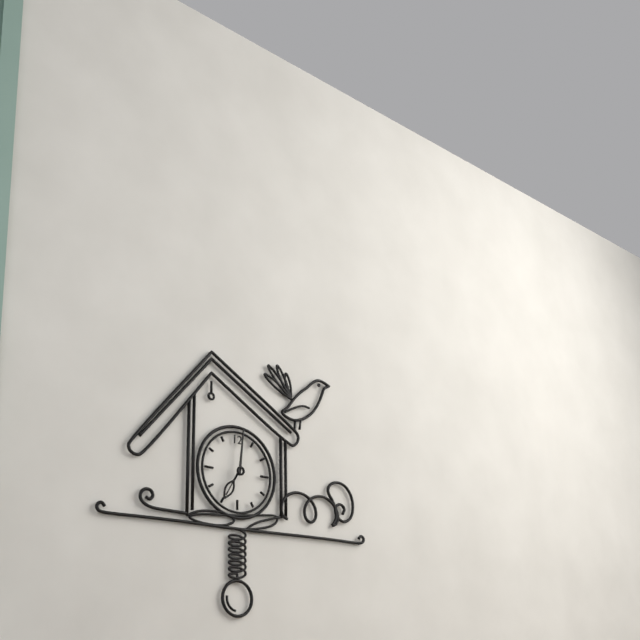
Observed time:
{"hour": 7, "minute": 1}
